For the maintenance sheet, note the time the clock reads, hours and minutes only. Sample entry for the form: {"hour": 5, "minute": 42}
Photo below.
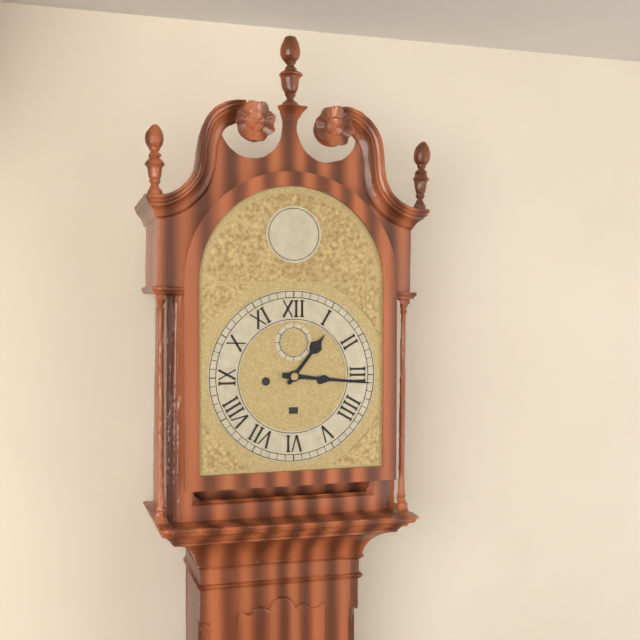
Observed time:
{"hour": 1, "minute": 16}
